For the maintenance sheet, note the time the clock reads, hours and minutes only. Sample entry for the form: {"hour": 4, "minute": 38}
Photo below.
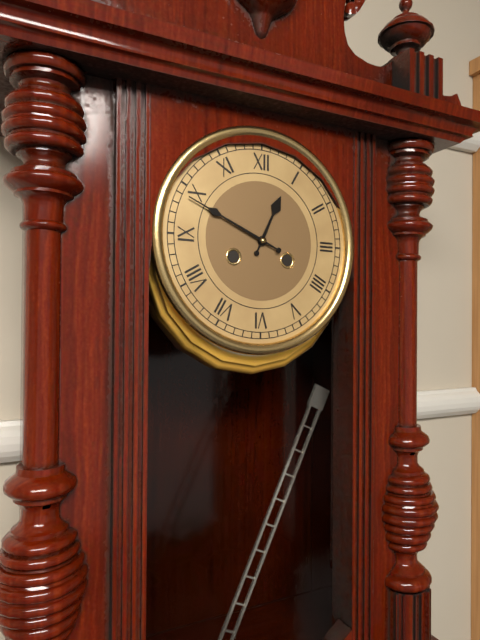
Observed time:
{"hour": 12, "minute": 49}
